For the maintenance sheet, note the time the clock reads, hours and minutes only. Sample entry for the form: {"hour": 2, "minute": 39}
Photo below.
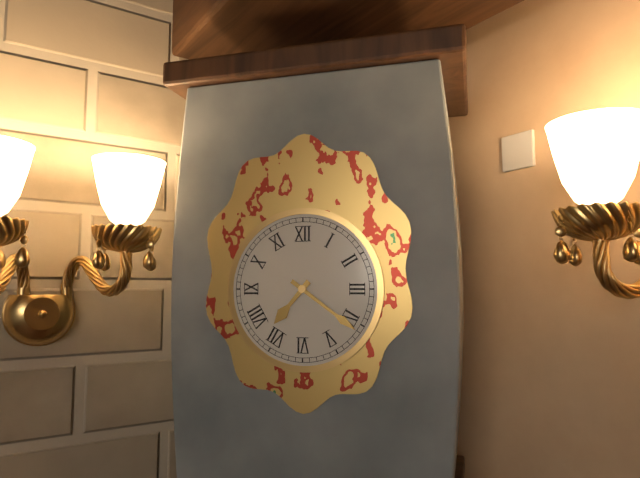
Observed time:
{"hour": 7, "minute": 21}
